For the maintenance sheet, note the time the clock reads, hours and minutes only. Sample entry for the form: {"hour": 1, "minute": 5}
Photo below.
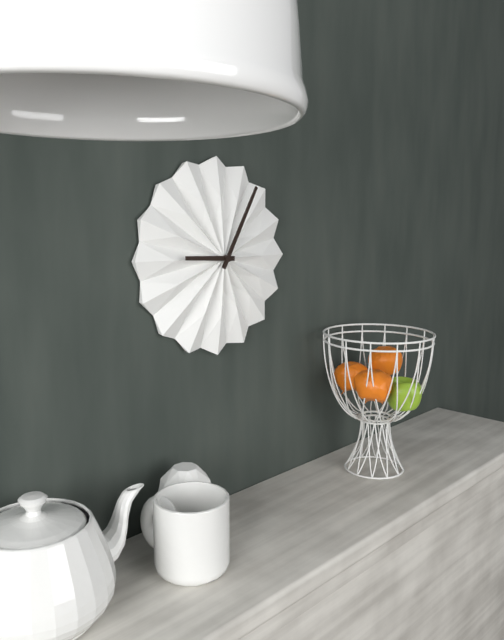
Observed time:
{"hour": 9, "minute": 5}
